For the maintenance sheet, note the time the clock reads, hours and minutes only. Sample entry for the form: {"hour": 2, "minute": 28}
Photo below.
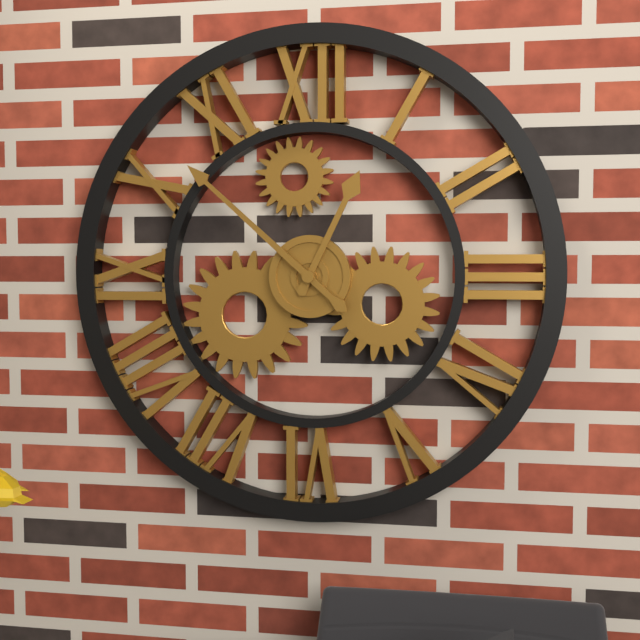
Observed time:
{"hour": 12, "minute": 52}
